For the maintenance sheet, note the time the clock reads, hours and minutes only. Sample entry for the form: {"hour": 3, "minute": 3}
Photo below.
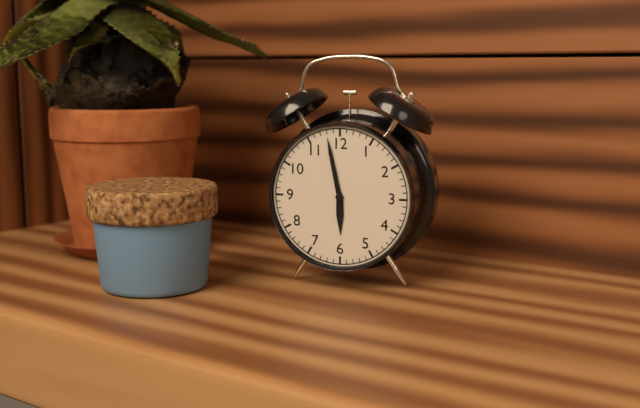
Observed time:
{"hour": 5, "minute": 58}
